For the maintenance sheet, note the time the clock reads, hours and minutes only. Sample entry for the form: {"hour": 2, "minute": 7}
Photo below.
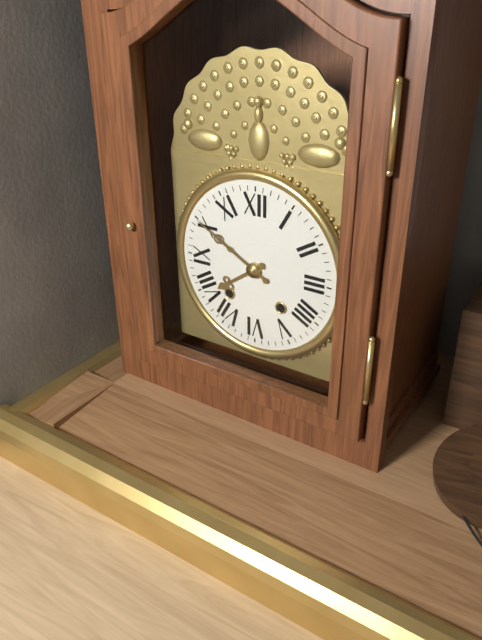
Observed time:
{"hour": 7, "minute": 50}
